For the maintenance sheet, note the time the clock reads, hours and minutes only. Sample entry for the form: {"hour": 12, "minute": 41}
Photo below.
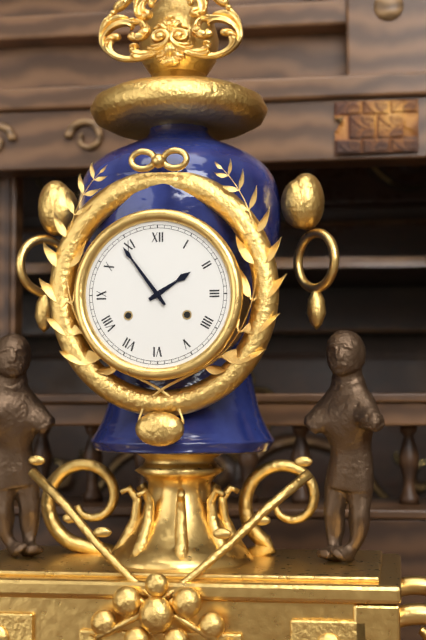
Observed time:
{"hour": 1, "minute": 54}
